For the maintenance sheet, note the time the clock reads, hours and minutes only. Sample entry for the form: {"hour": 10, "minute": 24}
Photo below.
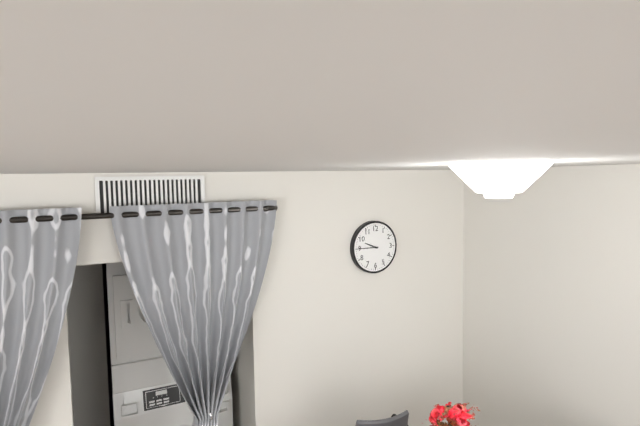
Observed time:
{"hour": 9, "minute": 45}
